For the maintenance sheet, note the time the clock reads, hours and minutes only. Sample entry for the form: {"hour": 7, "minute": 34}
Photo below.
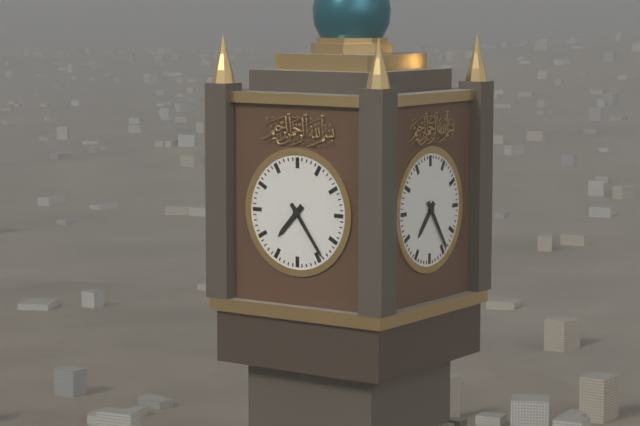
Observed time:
{"hour": 7, "minute": 24}
